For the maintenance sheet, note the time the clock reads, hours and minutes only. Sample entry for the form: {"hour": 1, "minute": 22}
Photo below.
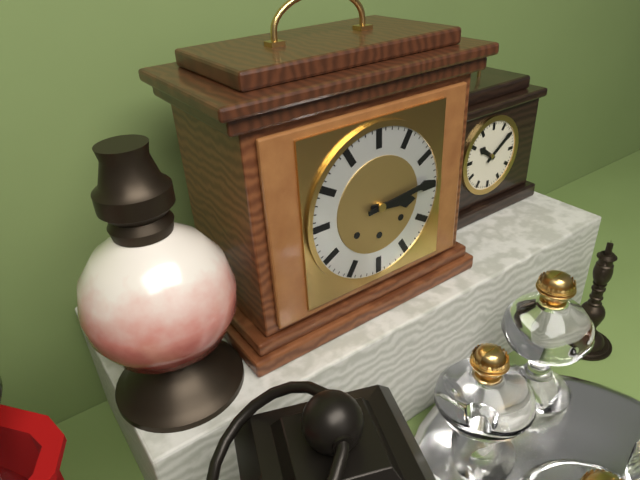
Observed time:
{"hour": 3, "minute": 14}
